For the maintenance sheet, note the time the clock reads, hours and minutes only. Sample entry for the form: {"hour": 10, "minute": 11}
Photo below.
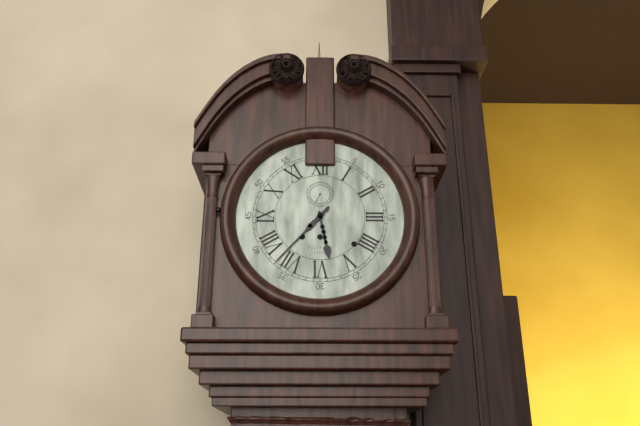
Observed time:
{"hour": 5, "minute": 37}
